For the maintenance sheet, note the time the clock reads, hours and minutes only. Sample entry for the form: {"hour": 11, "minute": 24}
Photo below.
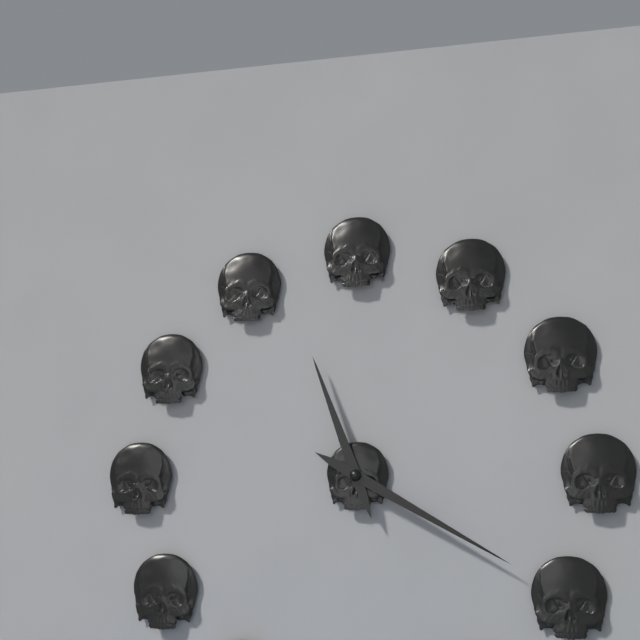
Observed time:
{"hour": 11, "minute": 20}
